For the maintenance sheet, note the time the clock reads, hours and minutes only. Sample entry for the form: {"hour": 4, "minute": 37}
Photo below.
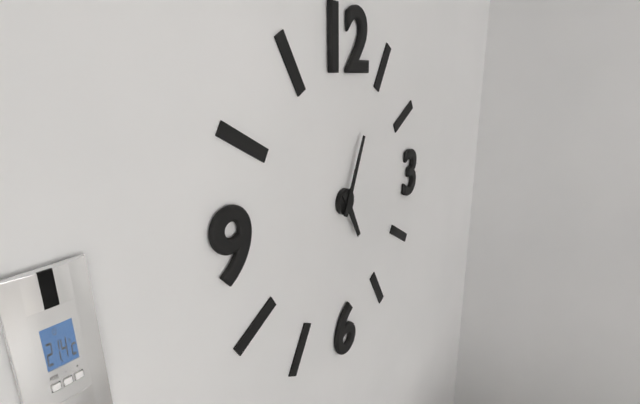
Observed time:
{"hour": 5, "minute": 4}
